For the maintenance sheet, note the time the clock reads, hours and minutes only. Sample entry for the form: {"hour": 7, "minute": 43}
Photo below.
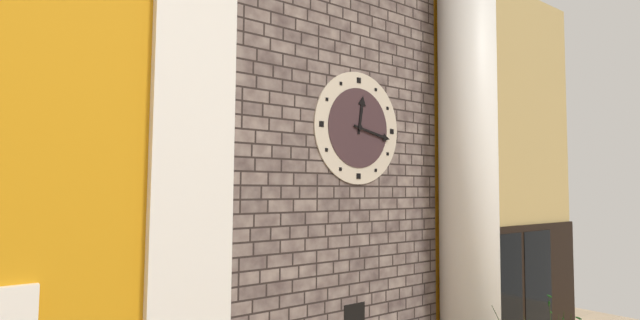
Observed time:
{"hour": 12, "minute": 17}
